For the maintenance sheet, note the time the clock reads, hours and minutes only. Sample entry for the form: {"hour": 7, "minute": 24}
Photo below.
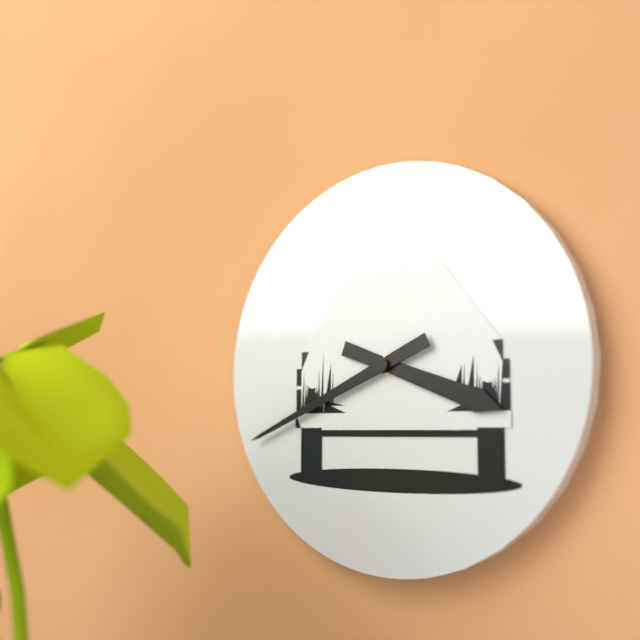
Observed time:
{"hour": 3, "minute": 41}
